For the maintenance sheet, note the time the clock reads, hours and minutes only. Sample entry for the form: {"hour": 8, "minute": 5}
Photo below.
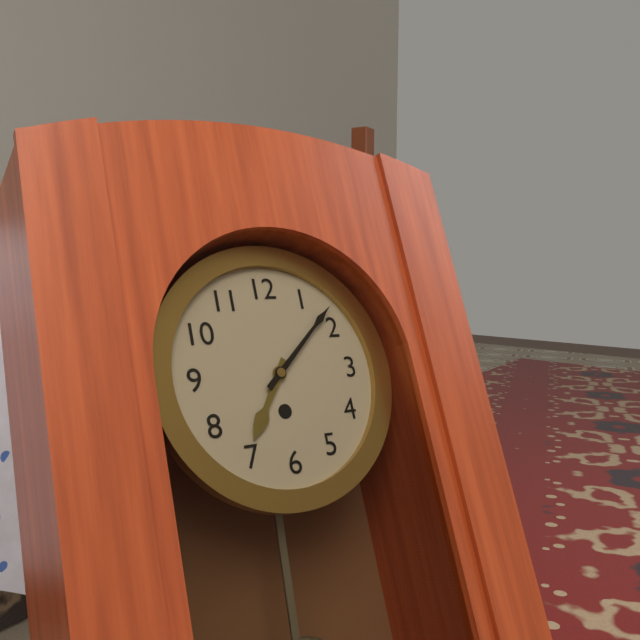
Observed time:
{"hour": 7, "minute": 8}
